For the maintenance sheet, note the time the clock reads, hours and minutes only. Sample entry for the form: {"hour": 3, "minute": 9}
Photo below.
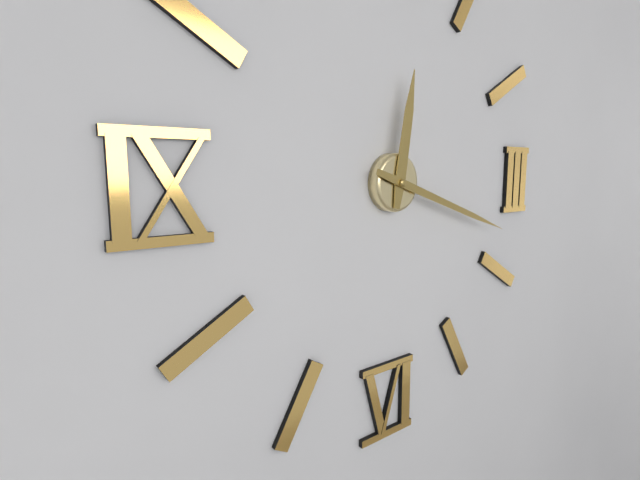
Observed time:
{"hour": 12, "minute": 18}
